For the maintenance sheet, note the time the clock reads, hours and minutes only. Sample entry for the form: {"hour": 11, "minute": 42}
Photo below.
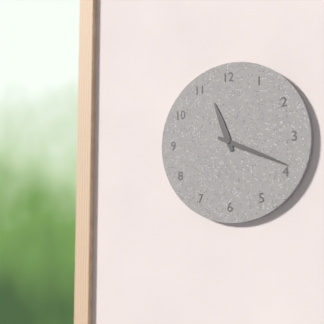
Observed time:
{"hour": 11, "minute": 19}
